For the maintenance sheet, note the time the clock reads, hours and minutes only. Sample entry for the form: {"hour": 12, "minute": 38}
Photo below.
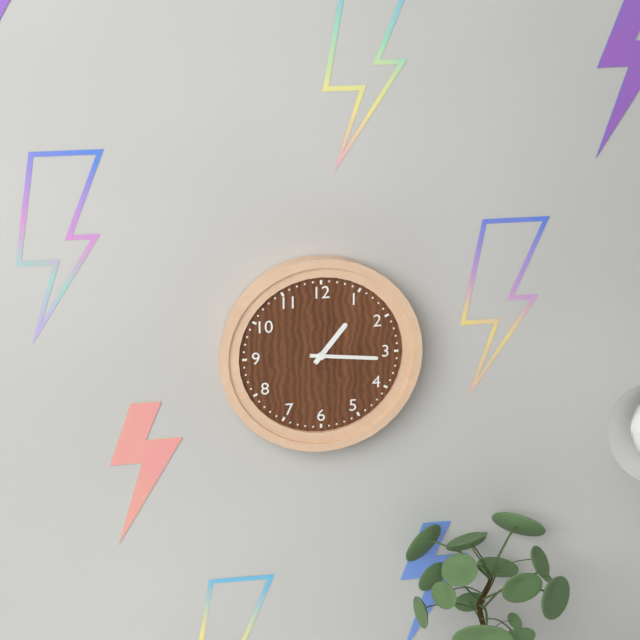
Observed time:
{"hour": 1, "minute": 16}
